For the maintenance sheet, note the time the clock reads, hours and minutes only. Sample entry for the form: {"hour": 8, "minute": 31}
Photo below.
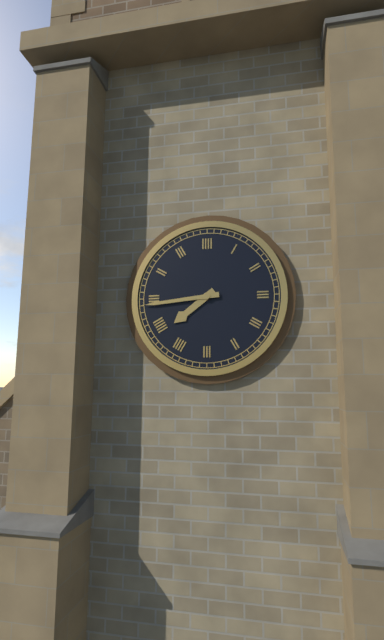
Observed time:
{"hour": 7, "minute": 44}
